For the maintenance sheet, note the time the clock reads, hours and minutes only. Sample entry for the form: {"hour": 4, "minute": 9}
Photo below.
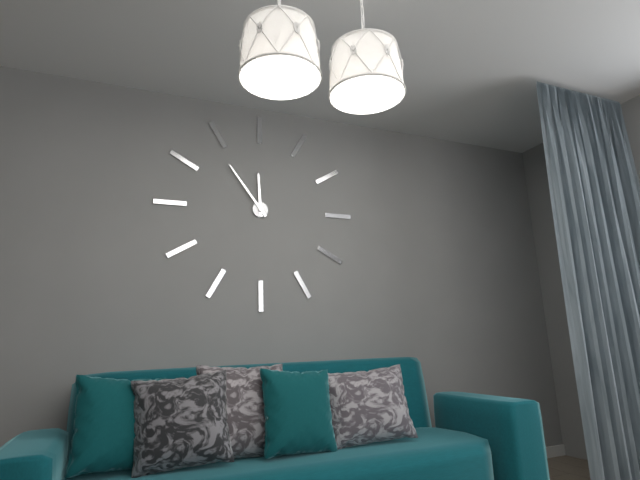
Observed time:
{"hour": 11, "minute": 54}
